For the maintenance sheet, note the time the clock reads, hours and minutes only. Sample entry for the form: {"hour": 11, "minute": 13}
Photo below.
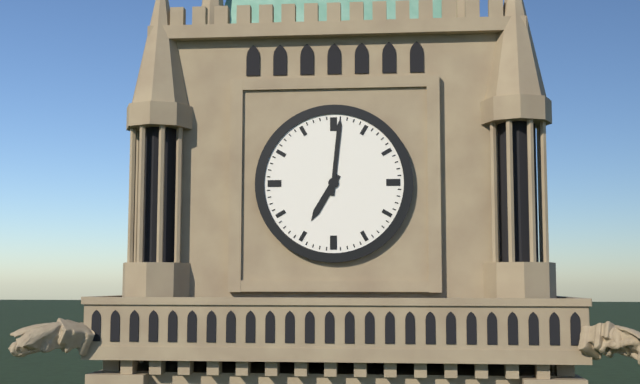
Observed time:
{"hour": 7, "minute": 1}
